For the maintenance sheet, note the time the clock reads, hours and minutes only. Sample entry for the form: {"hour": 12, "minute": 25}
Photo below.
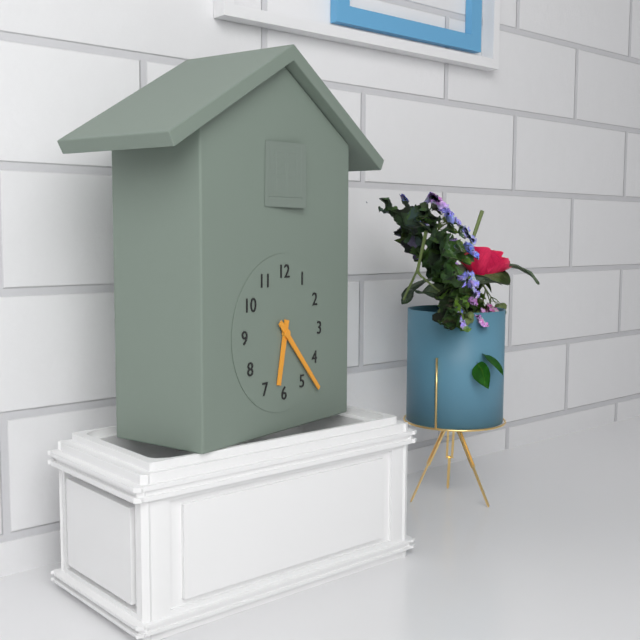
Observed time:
{"hour": 6, "minute": 23}
